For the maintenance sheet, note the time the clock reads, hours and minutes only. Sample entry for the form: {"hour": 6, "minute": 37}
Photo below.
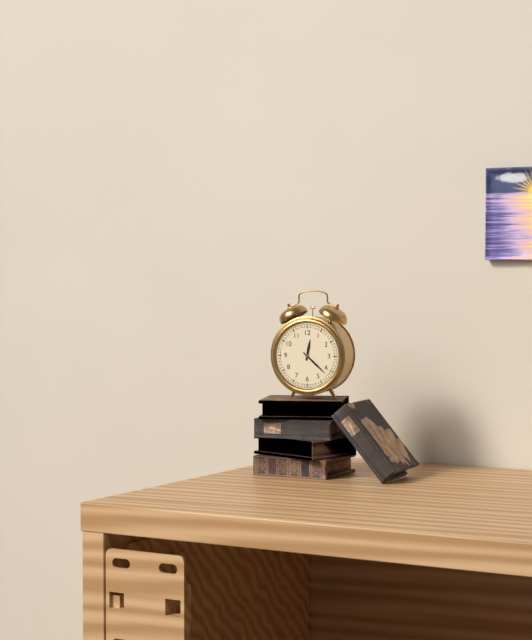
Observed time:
{"hour": 12, "minute": 22}
